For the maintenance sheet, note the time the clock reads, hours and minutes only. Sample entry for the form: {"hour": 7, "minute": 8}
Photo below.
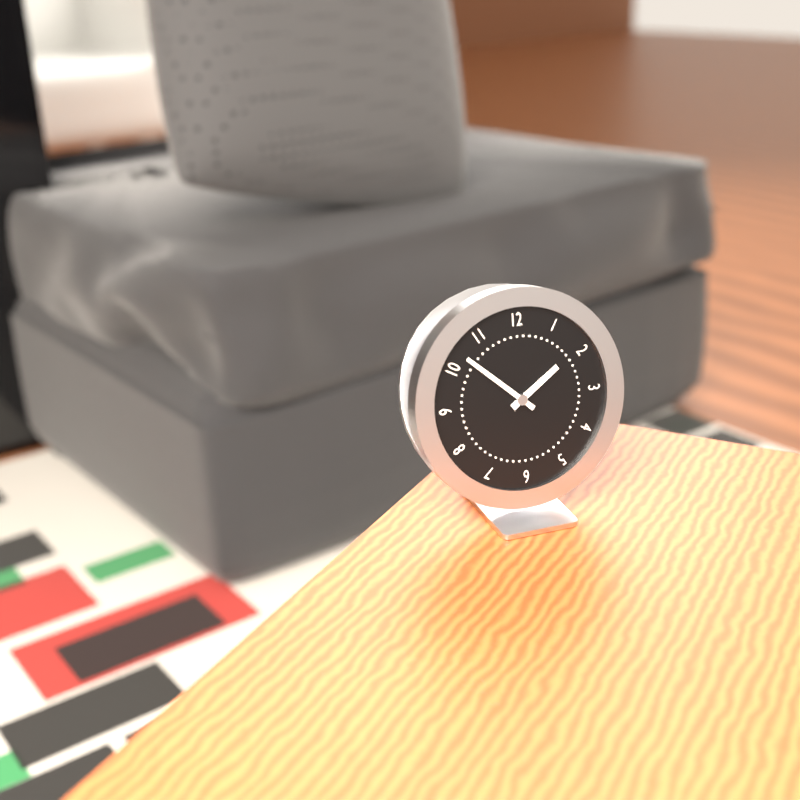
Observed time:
{"hour": 1, "minute": 52}
